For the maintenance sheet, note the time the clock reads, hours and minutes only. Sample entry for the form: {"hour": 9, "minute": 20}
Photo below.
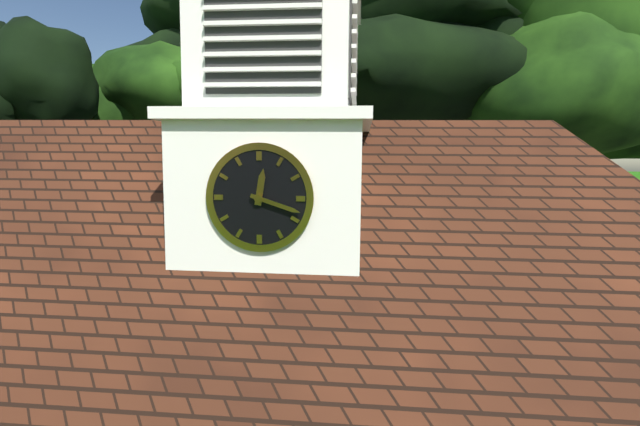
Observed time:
{"hour": 12, "minute": 18}
